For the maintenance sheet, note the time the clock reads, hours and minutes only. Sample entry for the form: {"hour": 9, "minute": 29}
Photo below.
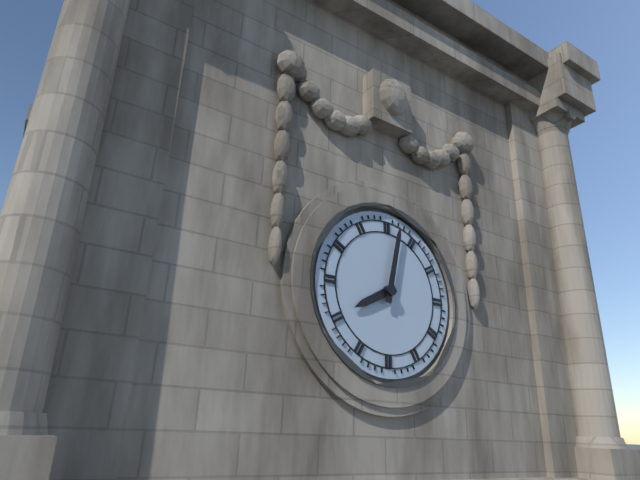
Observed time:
{"hour": 8, "minute": 2}
